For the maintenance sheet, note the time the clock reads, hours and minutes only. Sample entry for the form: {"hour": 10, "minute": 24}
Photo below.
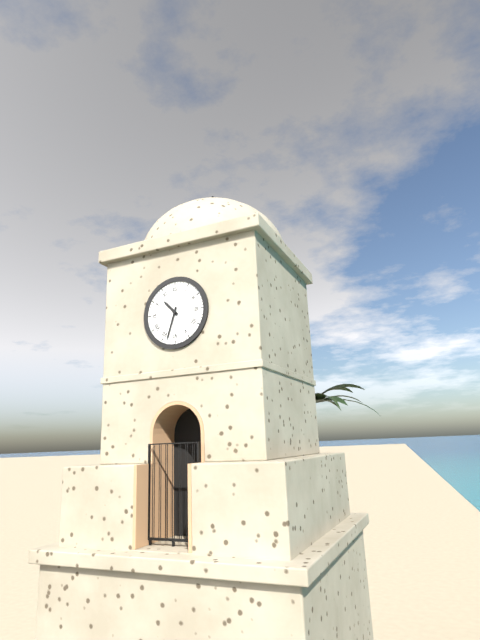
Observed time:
{"hour": 10, "minute": 33}
